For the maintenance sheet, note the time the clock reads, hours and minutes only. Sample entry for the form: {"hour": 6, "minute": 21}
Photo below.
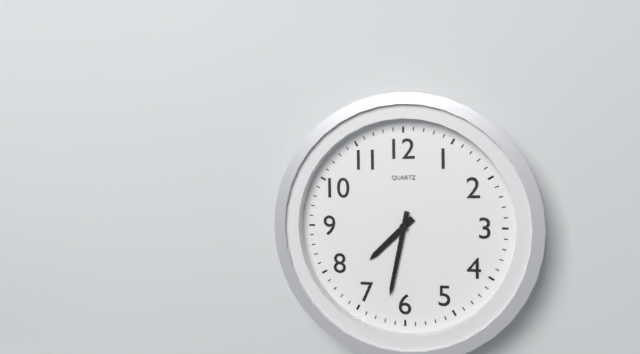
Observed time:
{"hour": 7, "minute": 32}
